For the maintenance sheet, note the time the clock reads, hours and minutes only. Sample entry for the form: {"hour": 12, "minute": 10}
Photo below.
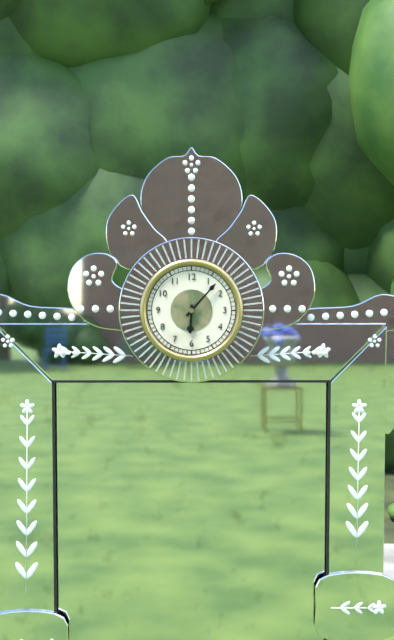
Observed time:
{"hour": 6, "minute": 7}
